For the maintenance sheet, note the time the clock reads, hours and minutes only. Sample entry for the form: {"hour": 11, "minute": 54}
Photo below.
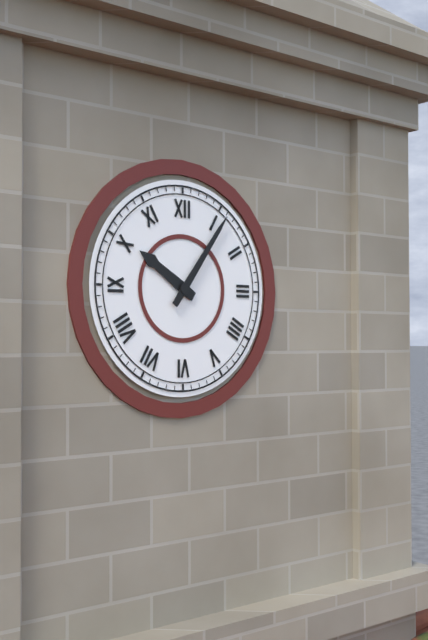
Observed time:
{"hour": 10, "minute": 6}
